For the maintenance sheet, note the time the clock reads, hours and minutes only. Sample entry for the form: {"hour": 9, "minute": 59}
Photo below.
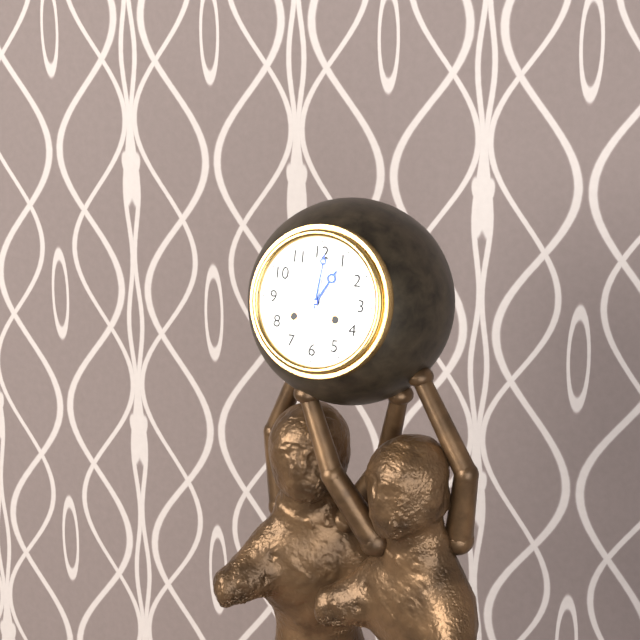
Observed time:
{"hour": 1, "minute": 1}
